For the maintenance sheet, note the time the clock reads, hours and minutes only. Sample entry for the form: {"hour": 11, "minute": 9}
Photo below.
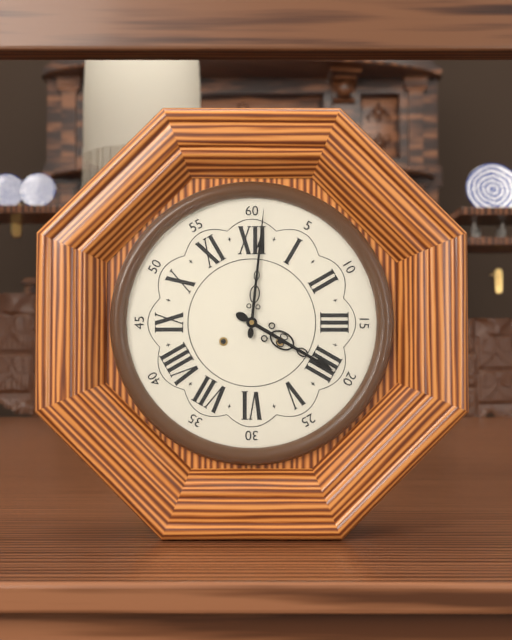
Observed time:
{"hour": 4, "minute": 1}
